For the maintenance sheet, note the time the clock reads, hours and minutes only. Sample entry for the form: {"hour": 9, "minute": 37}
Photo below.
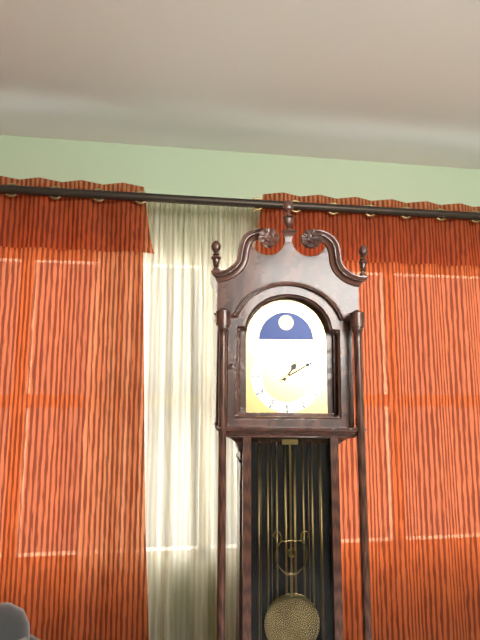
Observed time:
{"hour": 1, "minute": 10}
